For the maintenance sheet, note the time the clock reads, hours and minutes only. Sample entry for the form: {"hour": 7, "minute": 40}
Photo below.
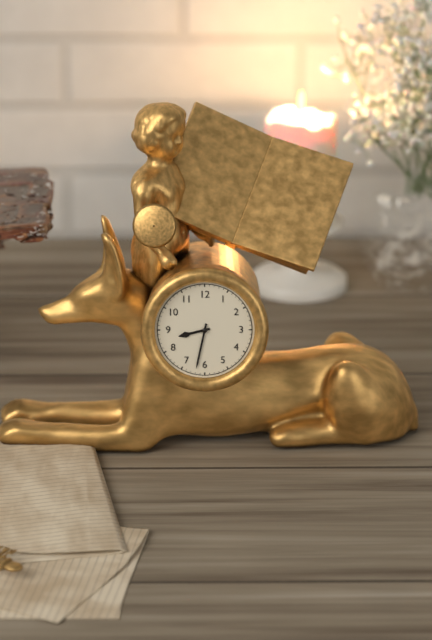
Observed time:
{"hour": 8, "minute": 32}
